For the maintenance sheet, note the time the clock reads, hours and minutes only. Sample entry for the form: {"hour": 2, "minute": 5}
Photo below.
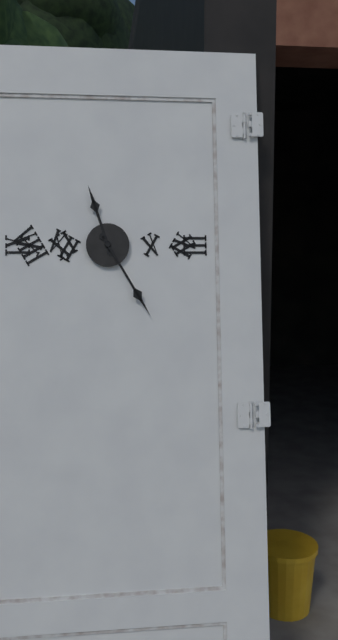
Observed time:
{"hour": 11, "minute": 25}
